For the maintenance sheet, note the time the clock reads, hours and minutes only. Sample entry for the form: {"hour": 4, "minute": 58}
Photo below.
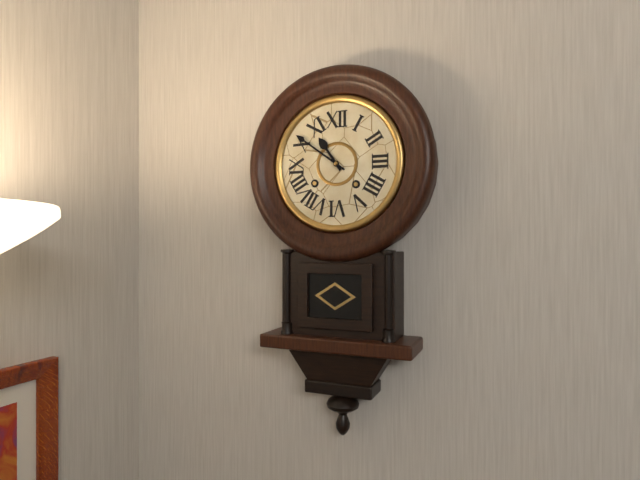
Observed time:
{"hour": 10, "minute": 51}
